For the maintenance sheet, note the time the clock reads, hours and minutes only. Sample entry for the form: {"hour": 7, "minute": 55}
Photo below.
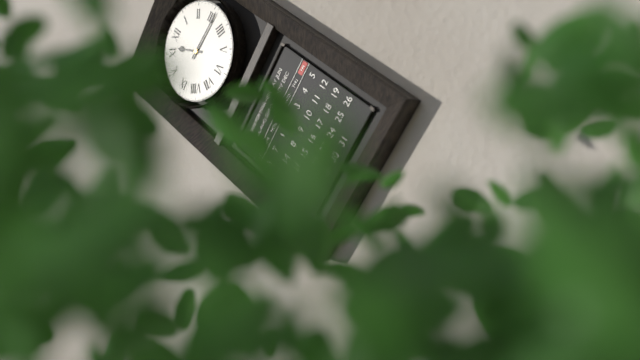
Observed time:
{"hour": 11, "minute": 16}
